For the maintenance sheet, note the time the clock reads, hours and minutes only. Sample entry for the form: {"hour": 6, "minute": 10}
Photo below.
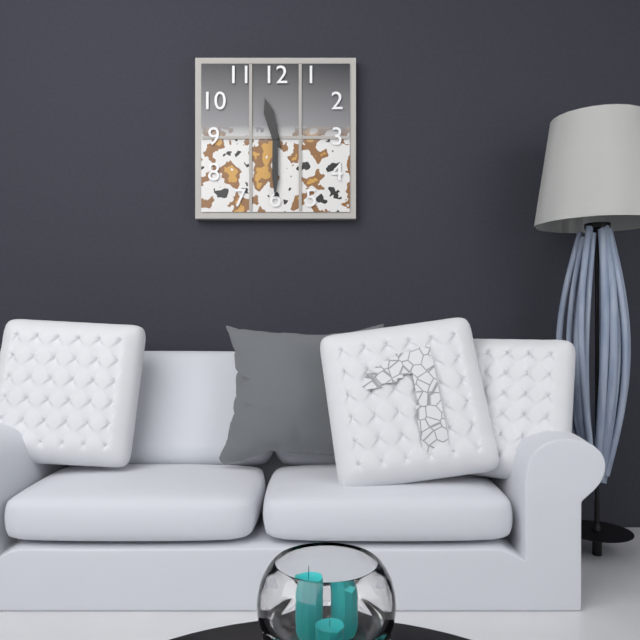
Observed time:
{"hour": 11, "minute": 30}
